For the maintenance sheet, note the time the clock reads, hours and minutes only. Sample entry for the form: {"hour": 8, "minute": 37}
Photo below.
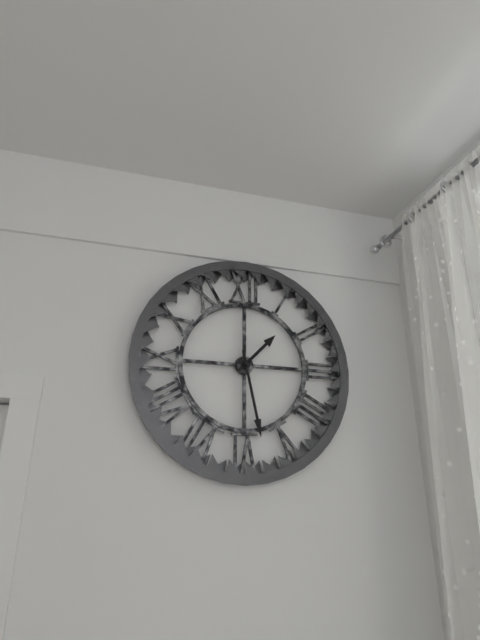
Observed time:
{"hour": 1, "minute": 28}
